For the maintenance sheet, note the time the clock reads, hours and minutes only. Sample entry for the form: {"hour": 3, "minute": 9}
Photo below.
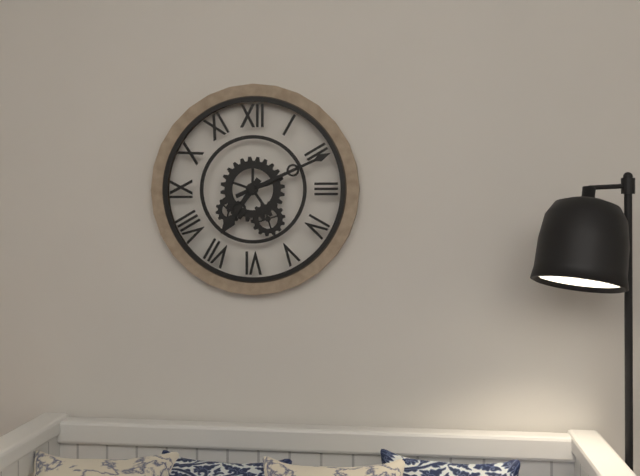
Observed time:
{"hour": 7, "minute": 11}
